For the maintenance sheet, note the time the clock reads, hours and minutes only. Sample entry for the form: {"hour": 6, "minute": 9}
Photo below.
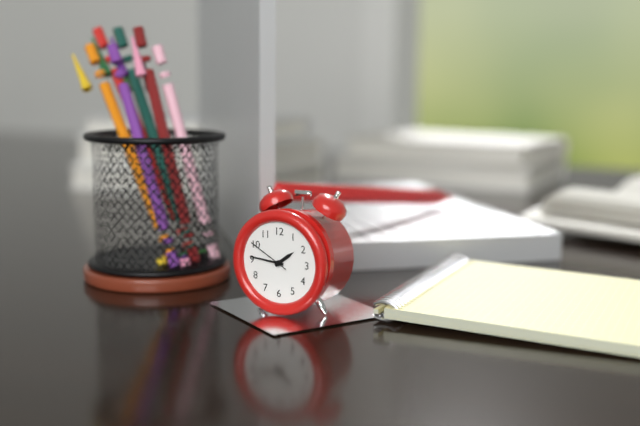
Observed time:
{"hour": 1, "minute": 46}
